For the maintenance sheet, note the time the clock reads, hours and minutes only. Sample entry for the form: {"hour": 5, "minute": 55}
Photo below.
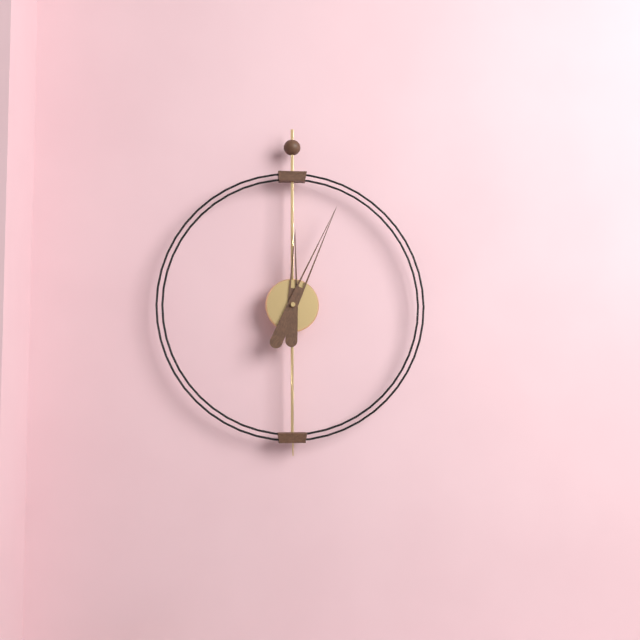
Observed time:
{"hour": 12, "minute": 4}
